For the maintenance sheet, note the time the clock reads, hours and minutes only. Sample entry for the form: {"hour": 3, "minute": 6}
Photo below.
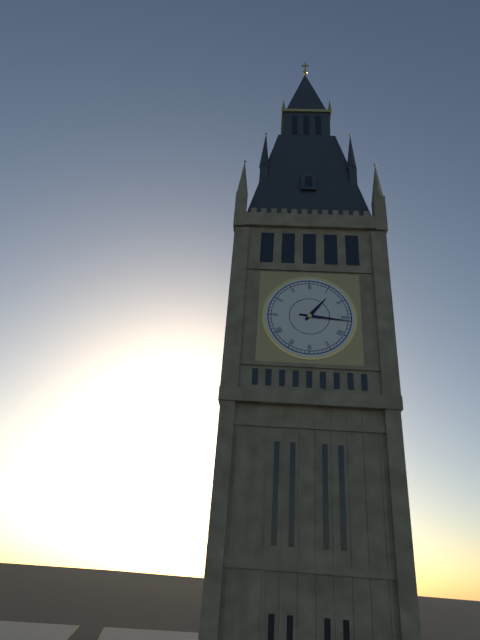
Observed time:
{"hour": 1, "minute": 16}
